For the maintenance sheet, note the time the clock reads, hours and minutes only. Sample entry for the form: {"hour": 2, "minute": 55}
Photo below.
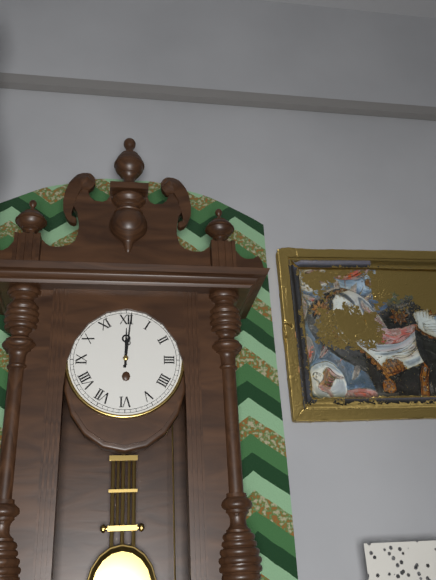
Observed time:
{"hour": 12, "minute": 1}
